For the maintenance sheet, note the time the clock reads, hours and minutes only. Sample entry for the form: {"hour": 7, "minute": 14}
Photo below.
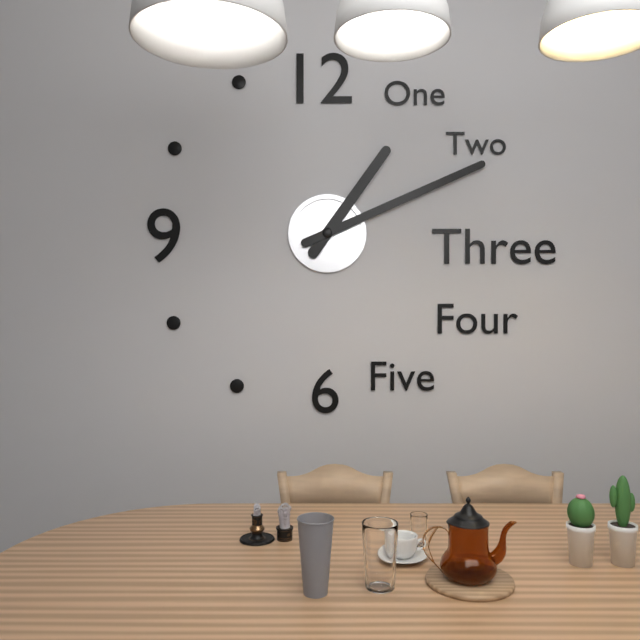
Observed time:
{"hour": 1, "minute": 11}
